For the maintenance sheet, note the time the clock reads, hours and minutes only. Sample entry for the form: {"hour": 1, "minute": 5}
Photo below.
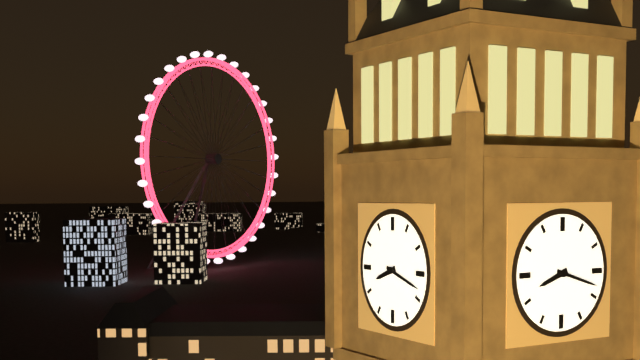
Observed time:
{"hour": 8, "minute": 18}
